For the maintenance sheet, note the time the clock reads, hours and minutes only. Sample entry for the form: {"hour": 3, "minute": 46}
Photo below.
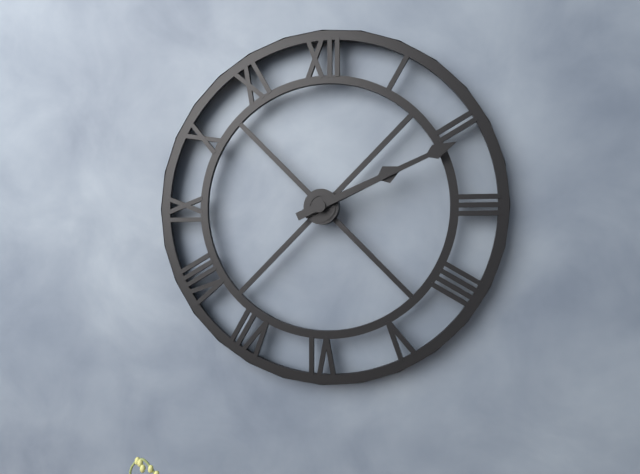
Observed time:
{"hour": 2, "minute": 11}
